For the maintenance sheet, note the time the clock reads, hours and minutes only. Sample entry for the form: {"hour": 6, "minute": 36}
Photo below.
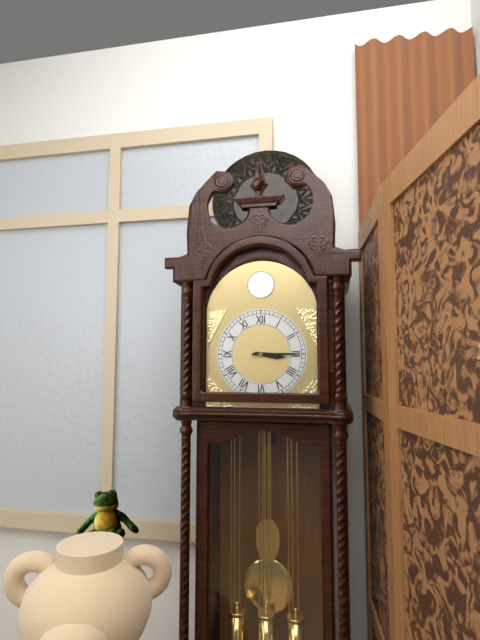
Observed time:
{"hour": 3, "minute": 15}
